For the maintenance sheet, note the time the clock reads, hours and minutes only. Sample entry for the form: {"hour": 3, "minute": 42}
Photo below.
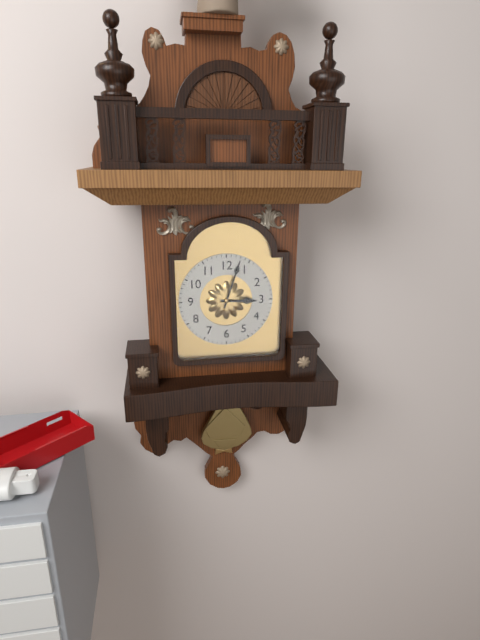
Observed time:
{"hour": 3, "minute": 3}
